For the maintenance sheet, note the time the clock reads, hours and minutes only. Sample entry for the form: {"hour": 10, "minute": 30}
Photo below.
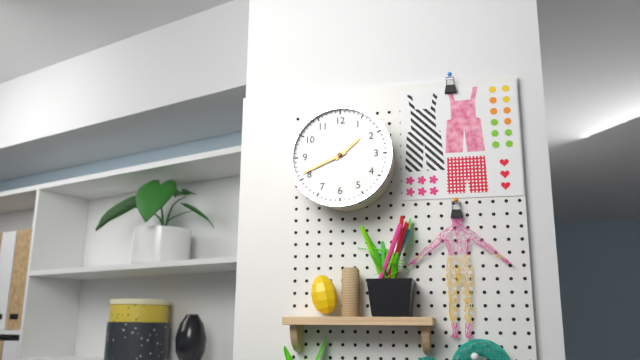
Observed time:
{"hour": 1, "minute": 41}
